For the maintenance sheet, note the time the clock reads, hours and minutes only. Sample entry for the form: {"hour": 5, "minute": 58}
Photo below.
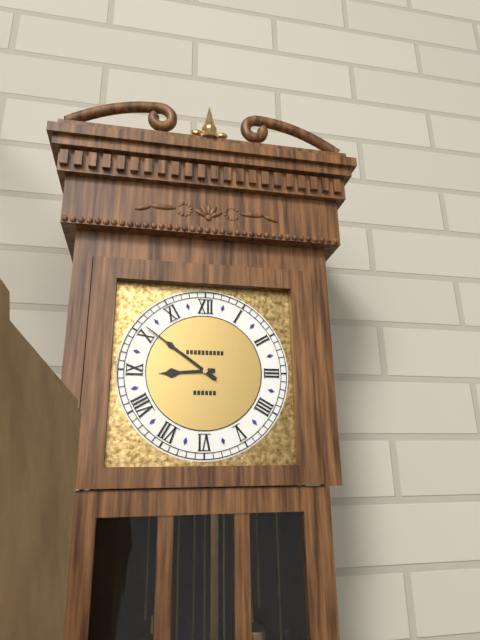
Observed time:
{"hour": 8, "minute": 51}
